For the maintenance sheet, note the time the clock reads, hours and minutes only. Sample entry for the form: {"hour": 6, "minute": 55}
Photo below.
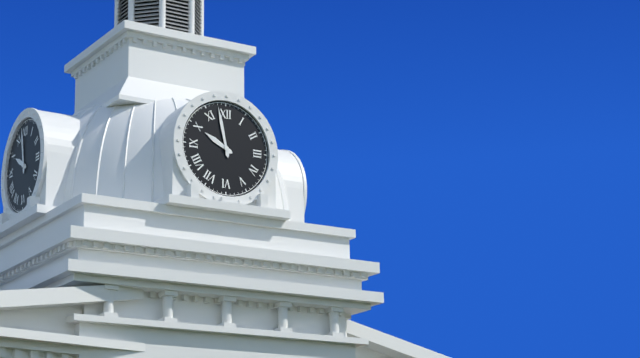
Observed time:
{"hour": 9, "minute": 58}
